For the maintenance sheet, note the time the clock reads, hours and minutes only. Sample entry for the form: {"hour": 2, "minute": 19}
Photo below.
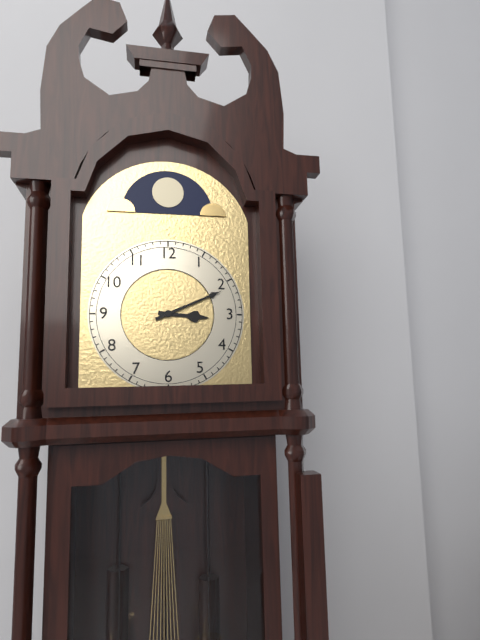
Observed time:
{"hour": 3, "minute": 11}
